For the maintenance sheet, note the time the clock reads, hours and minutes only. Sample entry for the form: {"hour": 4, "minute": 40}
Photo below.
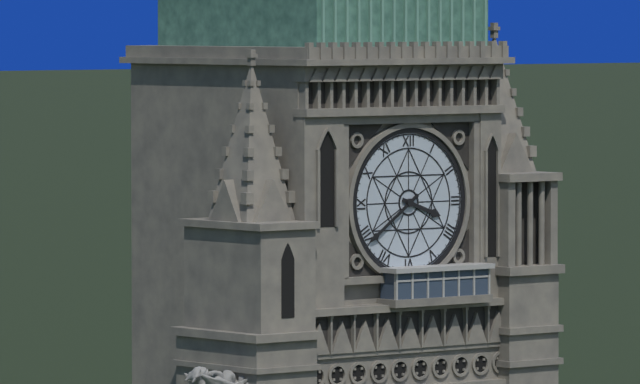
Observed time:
{"hour": 3, "minute": 39}
